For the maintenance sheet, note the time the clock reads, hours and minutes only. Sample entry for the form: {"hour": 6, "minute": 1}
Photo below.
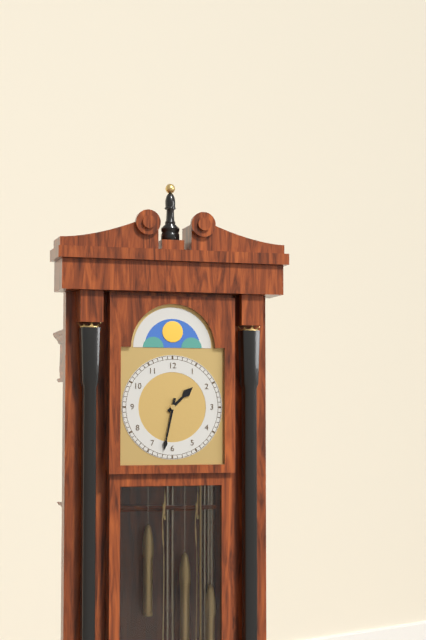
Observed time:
{"hour": 1, "minute": 32}
